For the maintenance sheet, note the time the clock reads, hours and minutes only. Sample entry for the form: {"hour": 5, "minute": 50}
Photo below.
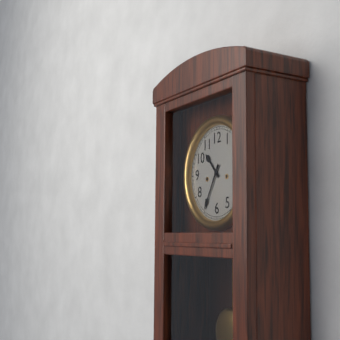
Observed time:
{"hour": 10, "minute": 35}
